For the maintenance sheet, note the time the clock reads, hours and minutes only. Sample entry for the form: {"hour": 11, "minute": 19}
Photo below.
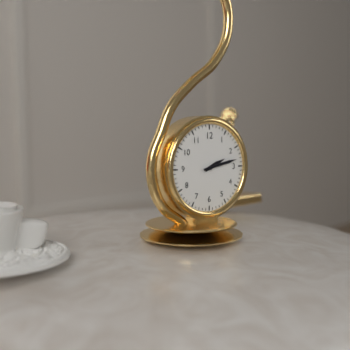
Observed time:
{"hour": 2, "minute": 13}
